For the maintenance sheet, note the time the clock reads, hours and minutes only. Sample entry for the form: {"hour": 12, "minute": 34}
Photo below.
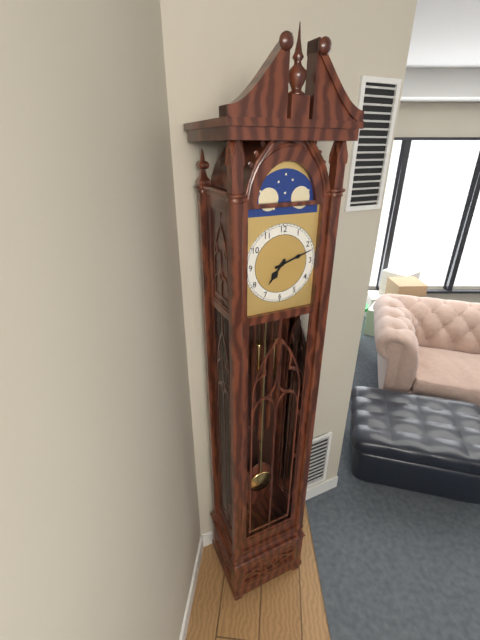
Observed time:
{"hour": 7, "minute": 12}
